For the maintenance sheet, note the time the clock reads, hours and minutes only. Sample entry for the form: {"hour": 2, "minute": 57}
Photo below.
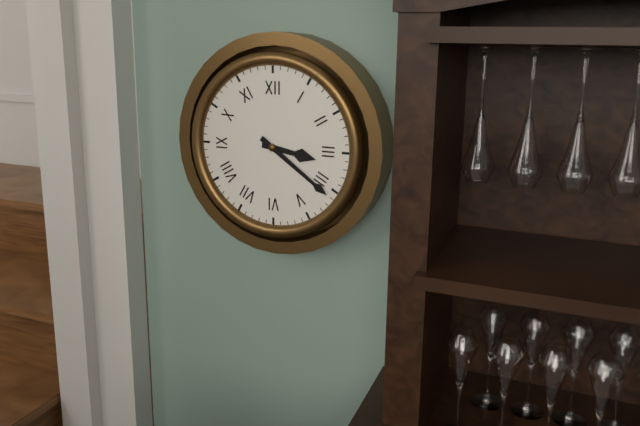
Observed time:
{"hour": 3, "minute": 21}
